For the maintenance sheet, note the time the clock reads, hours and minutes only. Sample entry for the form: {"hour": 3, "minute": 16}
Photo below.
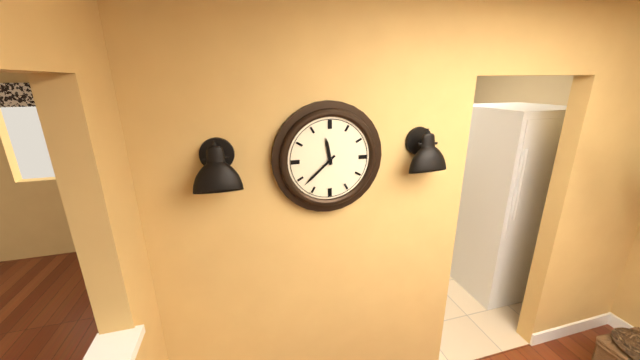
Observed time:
{"hour": 11, "minute": 38}
